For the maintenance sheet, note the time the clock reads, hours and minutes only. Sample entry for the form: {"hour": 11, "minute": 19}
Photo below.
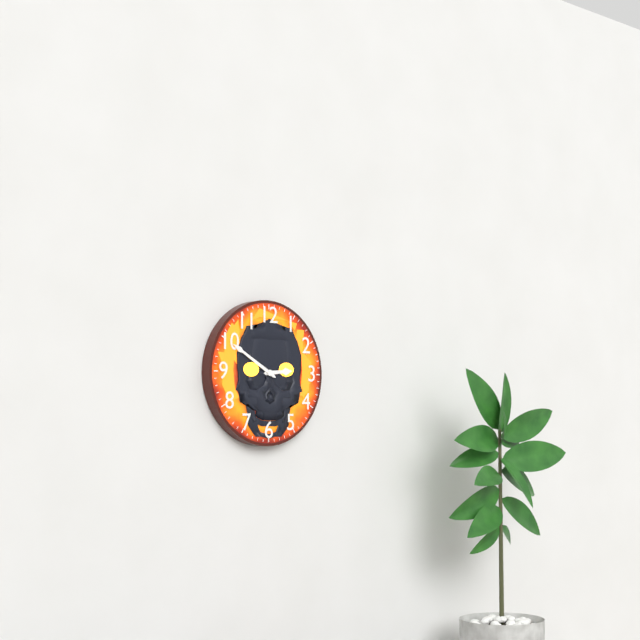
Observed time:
{"hour": 2, "minute": 50}
